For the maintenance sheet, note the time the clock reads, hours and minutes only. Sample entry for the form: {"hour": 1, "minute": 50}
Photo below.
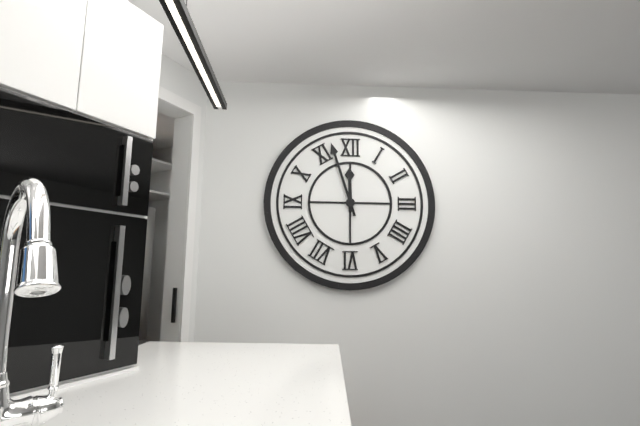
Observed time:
{"hour": 11, "minute": 57}
